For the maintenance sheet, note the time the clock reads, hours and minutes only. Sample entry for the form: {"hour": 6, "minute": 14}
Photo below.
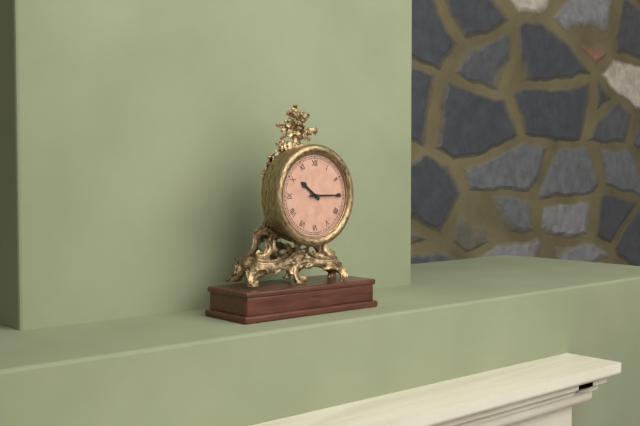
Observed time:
{"hour": 10, "minute": 15}
